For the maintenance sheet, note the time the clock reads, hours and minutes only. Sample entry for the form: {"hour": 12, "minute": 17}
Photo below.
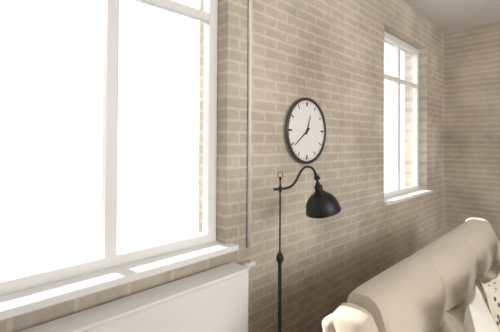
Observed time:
{"hour": 12, "minute": 39}
